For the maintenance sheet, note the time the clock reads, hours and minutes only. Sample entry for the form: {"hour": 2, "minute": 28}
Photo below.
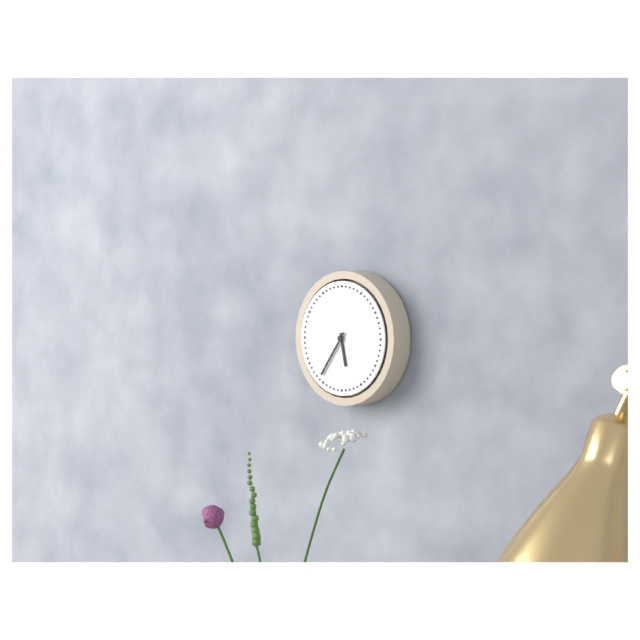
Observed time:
{"hour": 5, "minute": 36}
